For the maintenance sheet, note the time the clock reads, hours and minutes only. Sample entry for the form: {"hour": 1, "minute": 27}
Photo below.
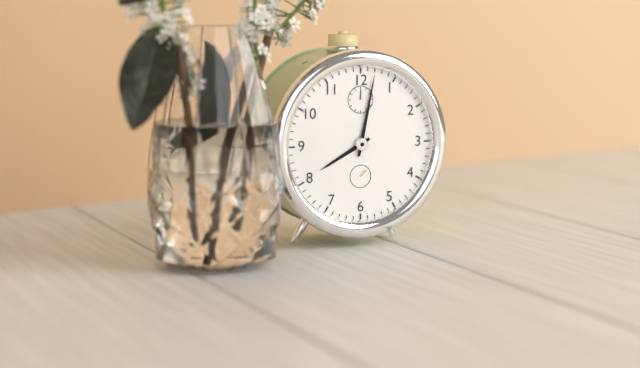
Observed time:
{"hour": 8, "minute": 2}
